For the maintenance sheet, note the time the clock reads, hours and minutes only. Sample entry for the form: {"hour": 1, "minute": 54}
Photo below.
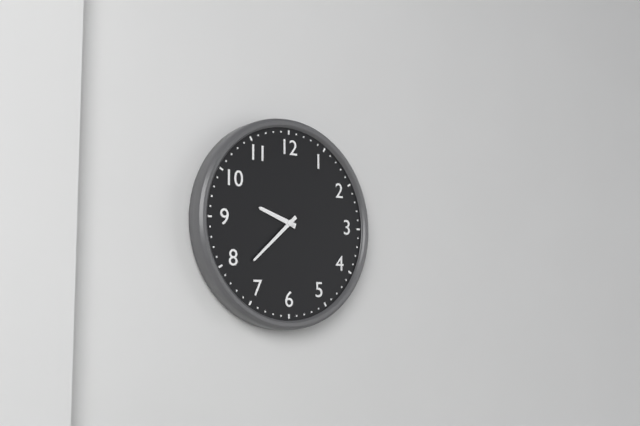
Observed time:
{"hour": 9, "minute": 38}
